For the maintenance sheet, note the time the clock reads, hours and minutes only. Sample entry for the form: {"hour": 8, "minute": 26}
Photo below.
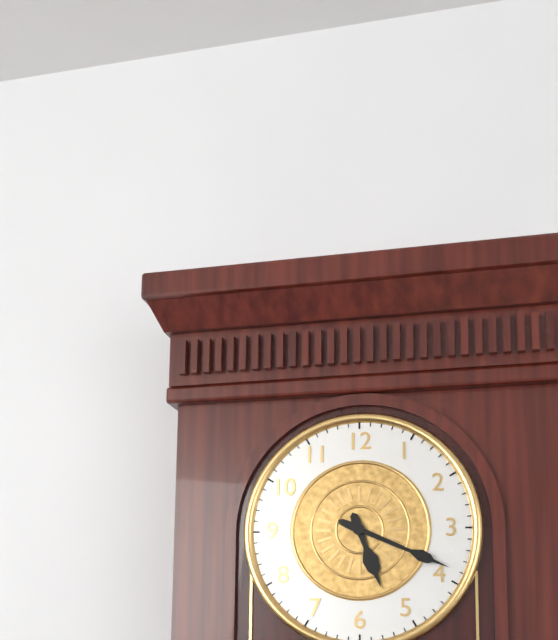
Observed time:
{"hour": 5, "minute": 19}
